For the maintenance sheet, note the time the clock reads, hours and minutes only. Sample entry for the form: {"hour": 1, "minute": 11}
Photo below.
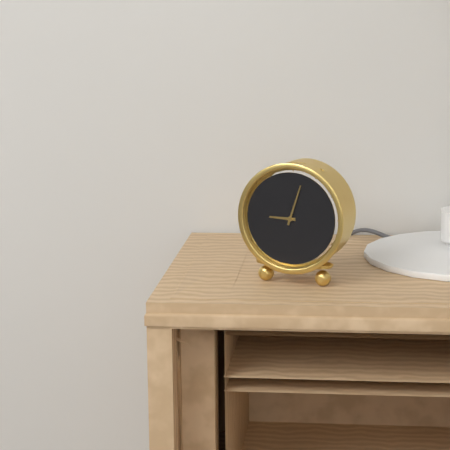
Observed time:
{"hour": 9, "minute": 3}
